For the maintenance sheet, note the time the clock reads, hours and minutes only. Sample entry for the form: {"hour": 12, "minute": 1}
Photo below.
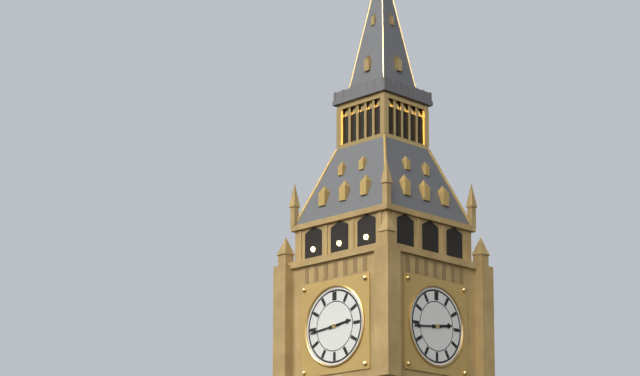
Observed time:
{"hour": 2, "minute": 44}
